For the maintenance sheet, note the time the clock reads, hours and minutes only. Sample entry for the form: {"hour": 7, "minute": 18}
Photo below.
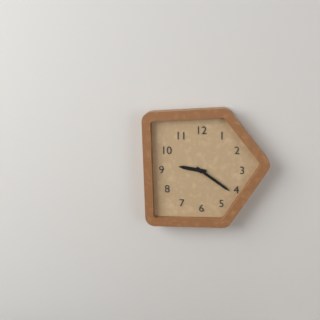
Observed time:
{"hour": 9, "minute": 21}
